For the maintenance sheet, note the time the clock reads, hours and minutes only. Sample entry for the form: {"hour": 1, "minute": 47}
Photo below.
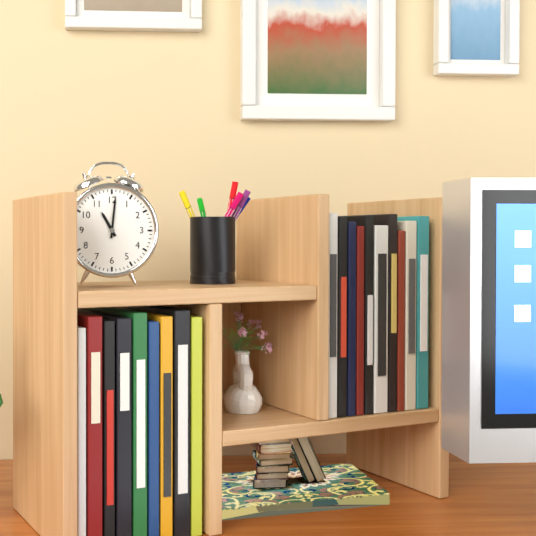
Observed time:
{"hour": 11, "minute": 1}
